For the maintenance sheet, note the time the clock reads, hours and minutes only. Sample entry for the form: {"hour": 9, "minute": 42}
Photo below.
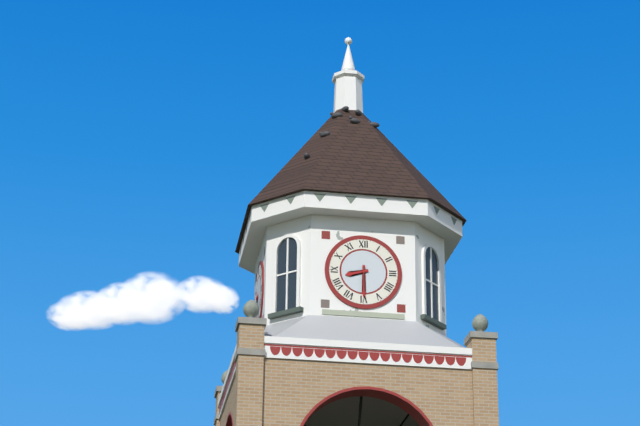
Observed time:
{"hour": 8, "minute": 30}
